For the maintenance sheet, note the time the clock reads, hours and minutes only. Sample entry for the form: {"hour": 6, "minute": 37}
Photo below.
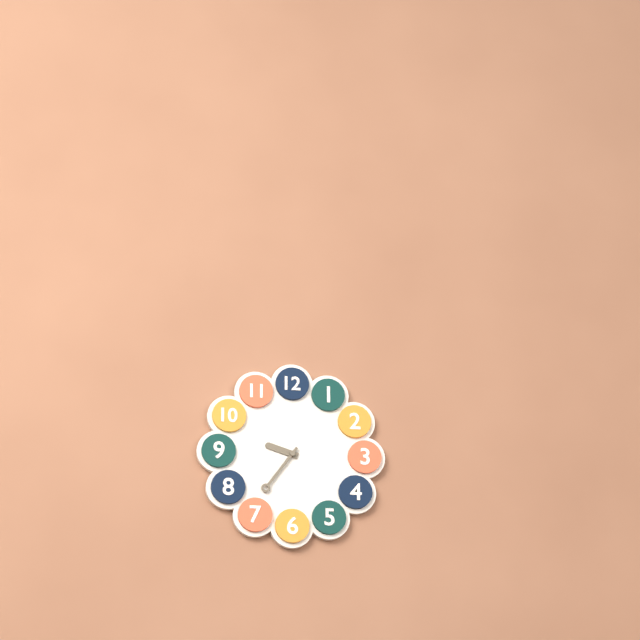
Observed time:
{"hour": 9, "minute": 36}
